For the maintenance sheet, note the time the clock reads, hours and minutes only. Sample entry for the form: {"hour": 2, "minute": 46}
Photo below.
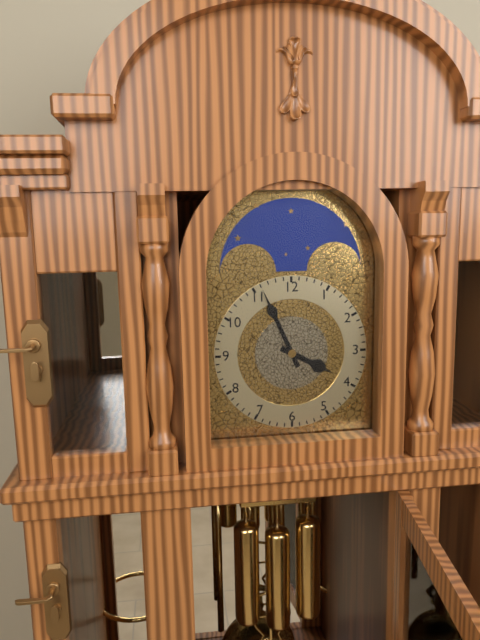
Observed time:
{"hour": 3, "minute": 56}
